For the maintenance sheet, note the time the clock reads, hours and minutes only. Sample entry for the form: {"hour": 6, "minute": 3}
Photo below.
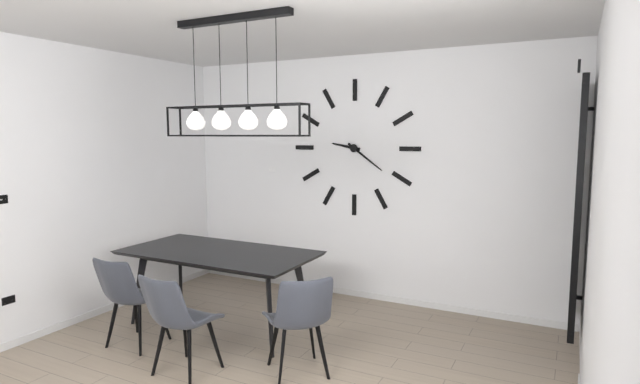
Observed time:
{"hour": 9, "minute": 21}
